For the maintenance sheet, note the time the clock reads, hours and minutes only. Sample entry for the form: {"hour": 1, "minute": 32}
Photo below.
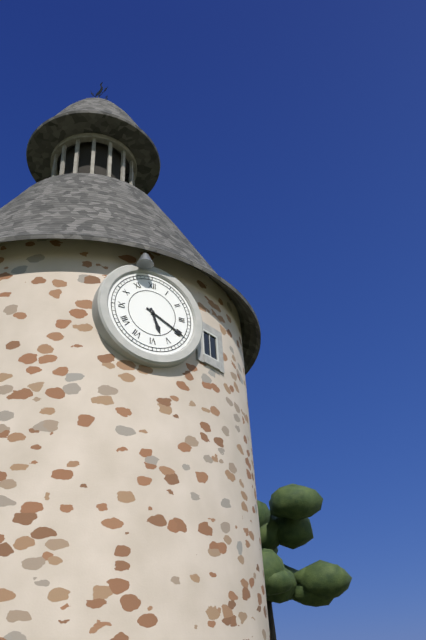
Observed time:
{"hour": 5, "minute": 20}
